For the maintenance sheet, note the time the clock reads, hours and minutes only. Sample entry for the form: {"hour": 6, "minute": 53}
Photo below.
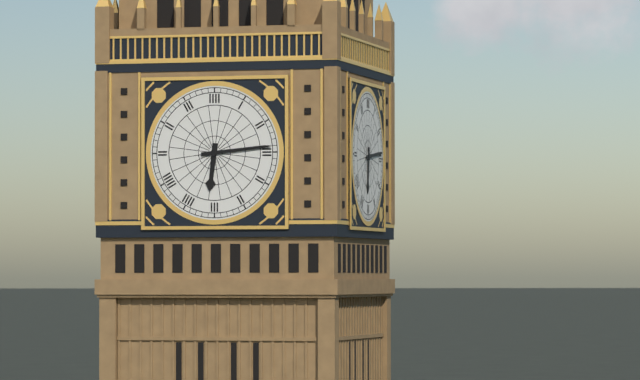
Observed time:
{"hour": 6, "minute": 14}
